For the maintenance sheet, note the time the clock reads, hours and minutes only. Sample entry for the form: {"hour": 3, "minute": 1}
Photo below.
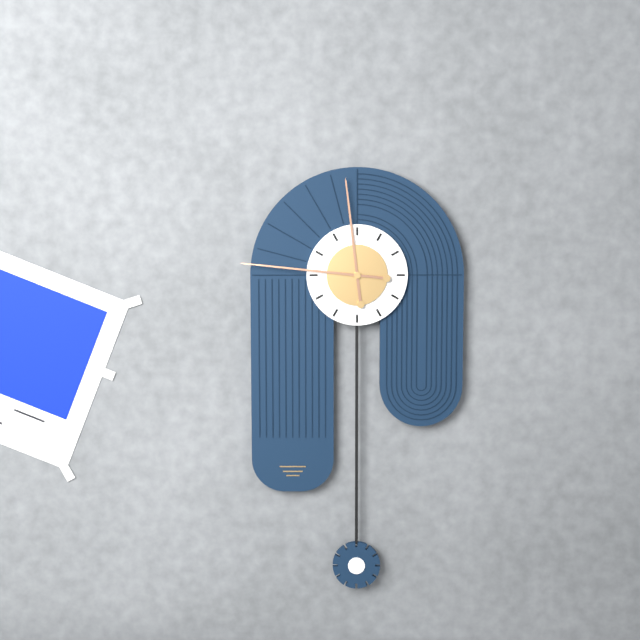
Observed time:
{"hour": 11, "minute": 46}
